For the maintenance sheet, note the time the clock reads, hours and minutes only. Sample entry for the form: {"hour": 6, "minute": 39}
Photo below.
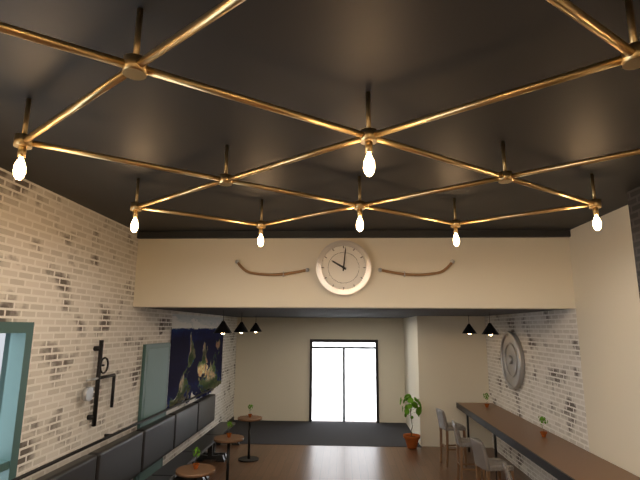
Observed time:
{"hour": 10, "minute": 1}
